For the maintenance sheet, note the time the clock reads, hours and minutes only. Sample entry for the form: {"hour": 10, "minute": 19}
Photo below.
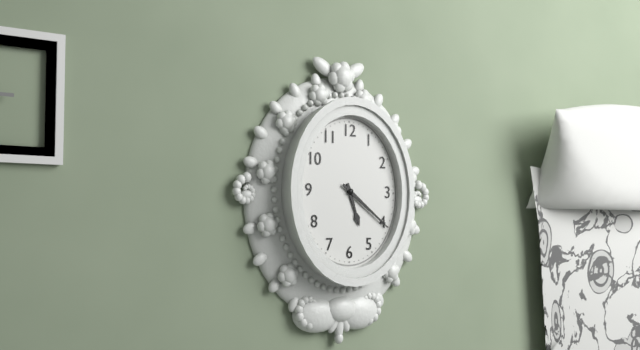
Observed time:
{"hour": 5, "minute": 21}
